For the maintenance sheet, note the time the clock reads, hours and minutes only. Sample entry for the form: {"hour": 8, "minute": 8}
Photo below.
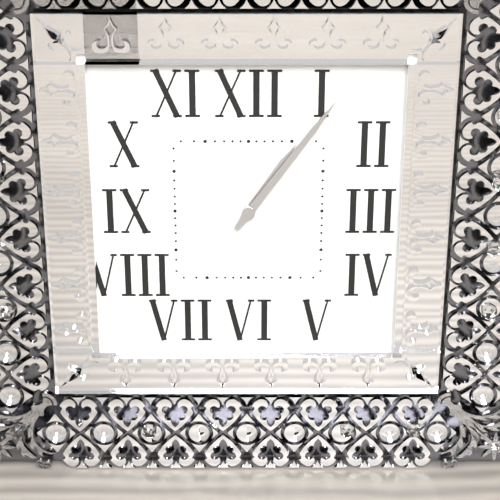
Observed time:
{"hour": 1, "minute": 6}
